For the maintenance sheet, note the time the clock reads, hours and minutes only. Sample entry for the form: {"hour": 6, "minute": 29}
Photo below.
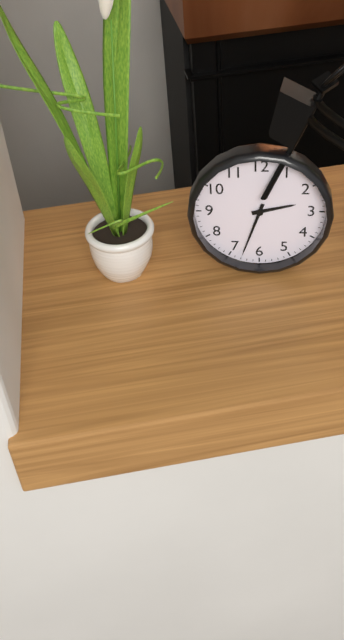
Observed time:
{"hour": 2, "minute": 33}
